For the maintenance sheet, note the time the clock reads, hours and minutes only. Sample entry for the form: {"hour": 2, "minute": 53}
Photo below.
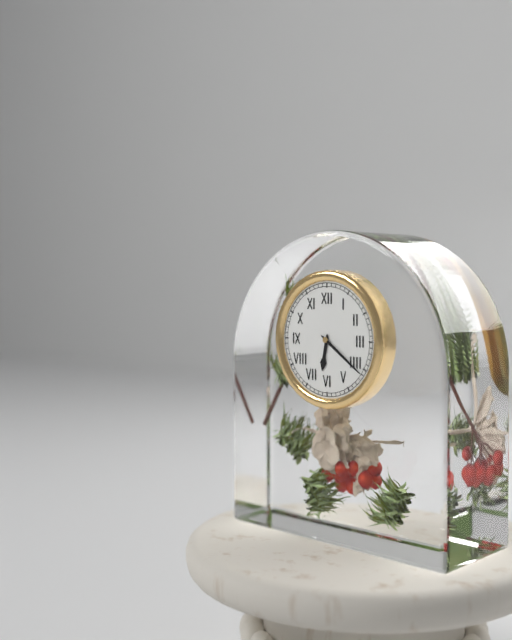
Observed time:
{"hour": 6, "minute": 21}
